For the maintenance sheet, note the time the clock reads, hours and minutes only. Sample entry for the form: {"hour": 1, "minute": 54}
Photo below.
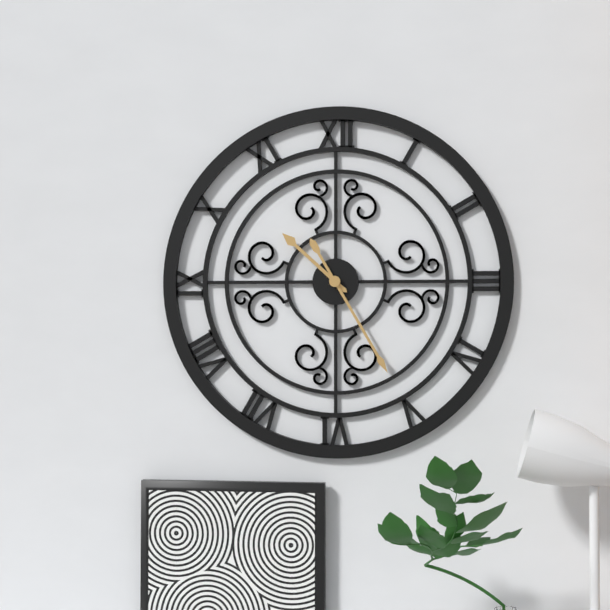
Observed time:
{"hour": 10, "minute": 25}
